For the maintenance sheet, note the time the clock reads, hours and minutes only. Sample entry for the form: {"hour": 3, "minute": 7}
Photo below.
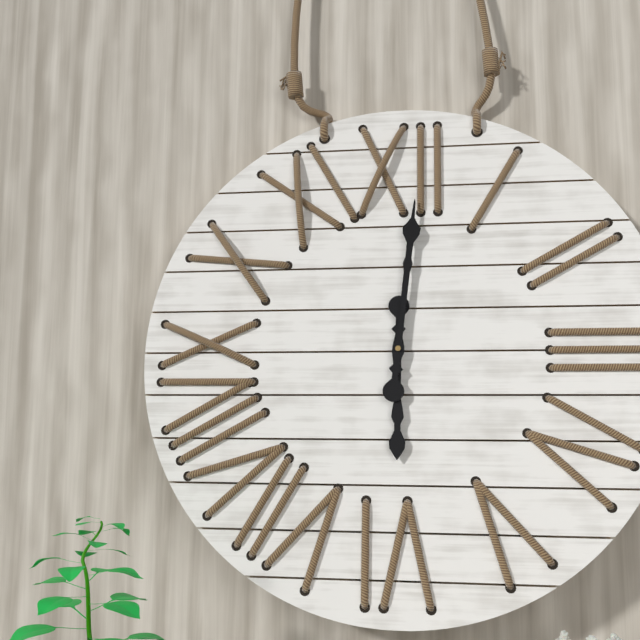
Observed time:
{"hour": 6, "minute": 1}
